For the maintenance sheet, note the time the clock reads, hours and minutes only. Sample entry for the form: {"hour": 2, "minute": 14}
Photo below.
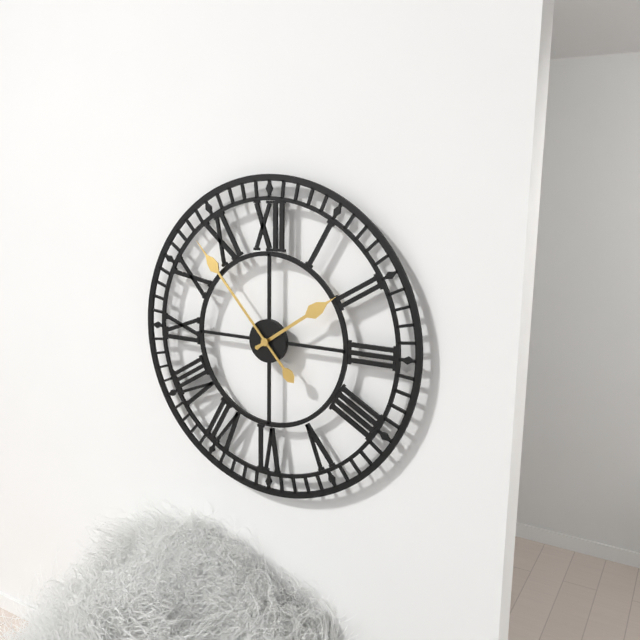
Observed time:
{"hour": 1, "minute": 53}
